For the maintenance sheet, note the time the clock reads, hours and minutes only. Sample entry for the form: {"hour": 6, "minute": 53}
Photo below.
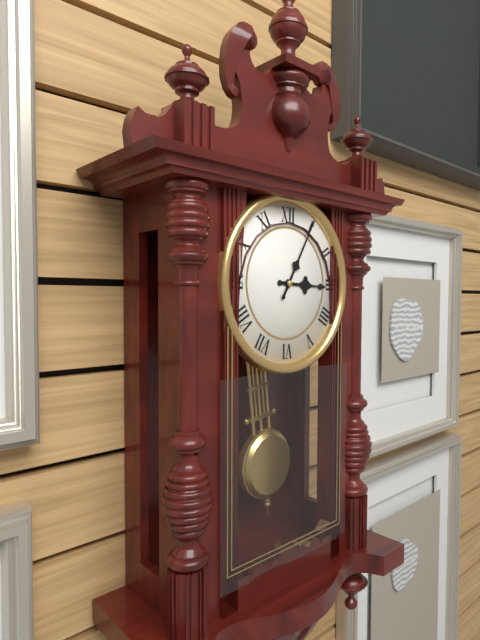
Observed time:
{"hour": 3, "minute": 5}
